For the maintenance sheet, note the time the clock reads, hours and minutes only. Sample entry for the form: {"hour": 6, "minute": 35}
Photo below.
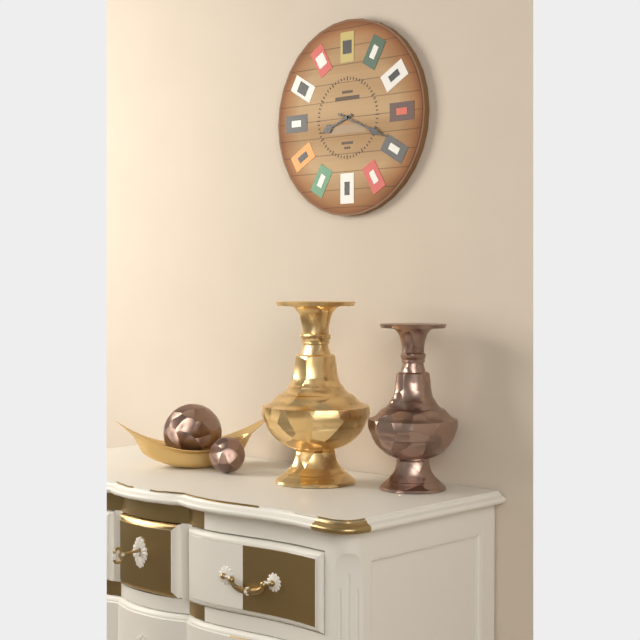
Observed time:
{"hour": 8, "minute": 19}
